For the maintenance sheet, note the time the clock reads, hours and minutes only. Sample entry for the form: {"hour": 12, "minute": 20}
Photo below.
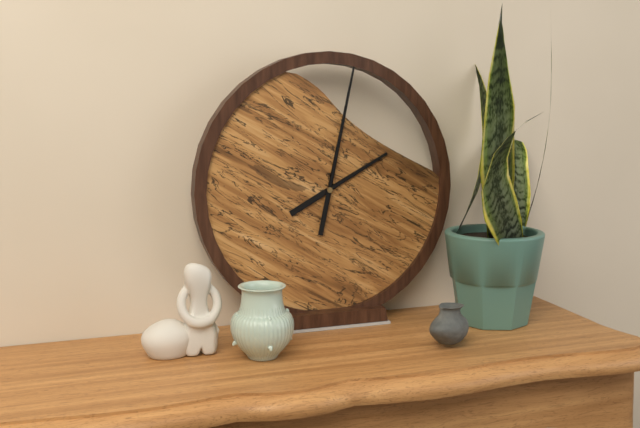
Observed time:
{"hour": 2, "minute": 2}
